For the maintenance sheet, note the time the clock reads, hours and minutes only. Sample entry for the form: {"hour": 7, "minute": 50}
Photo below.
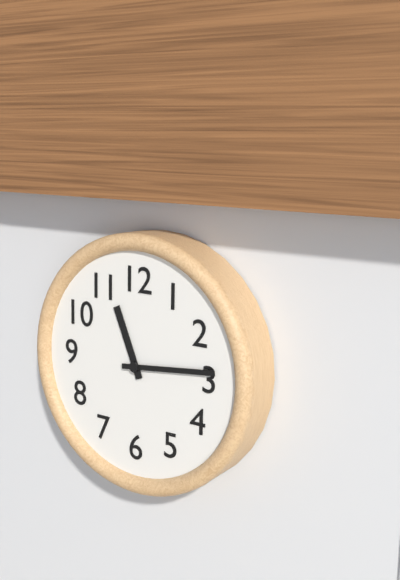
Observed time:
{"hour": 11, "minute": 14}
